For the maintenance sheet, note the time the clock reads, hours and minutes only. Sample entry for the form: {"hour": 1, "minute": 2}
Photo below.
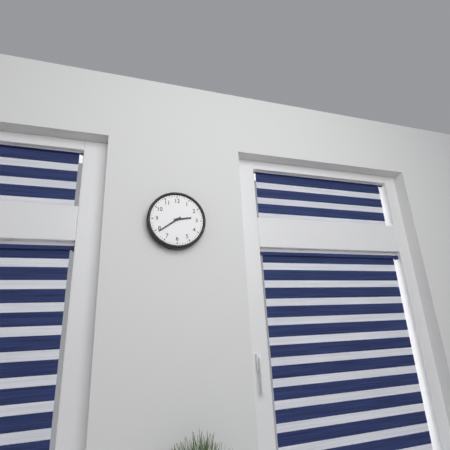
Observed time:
{"hour": 2, "minute": 39}
